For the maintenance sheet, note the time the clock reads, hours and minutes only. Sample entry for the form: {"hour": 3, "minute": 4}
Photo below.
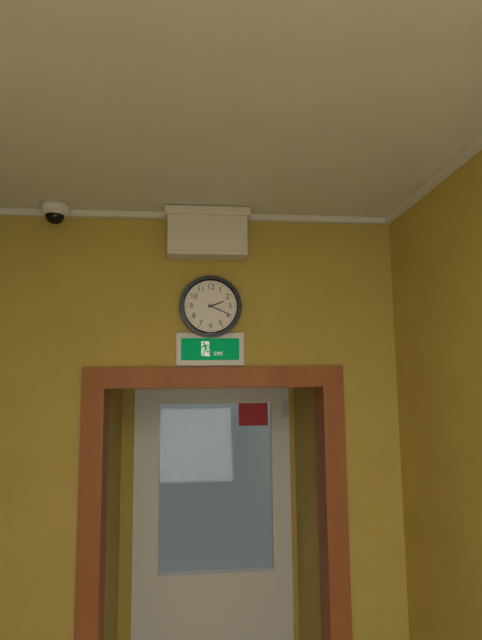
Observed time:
{"hour": 2, "minute": 19}
